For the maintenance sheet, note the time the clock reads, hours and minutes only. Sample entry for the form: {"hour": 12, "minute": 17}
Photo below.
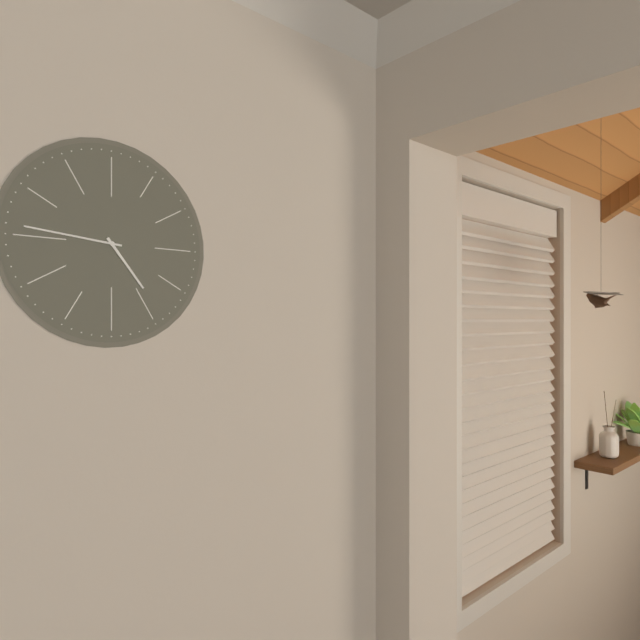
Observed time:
{"hour": 4, "minute": 46}
